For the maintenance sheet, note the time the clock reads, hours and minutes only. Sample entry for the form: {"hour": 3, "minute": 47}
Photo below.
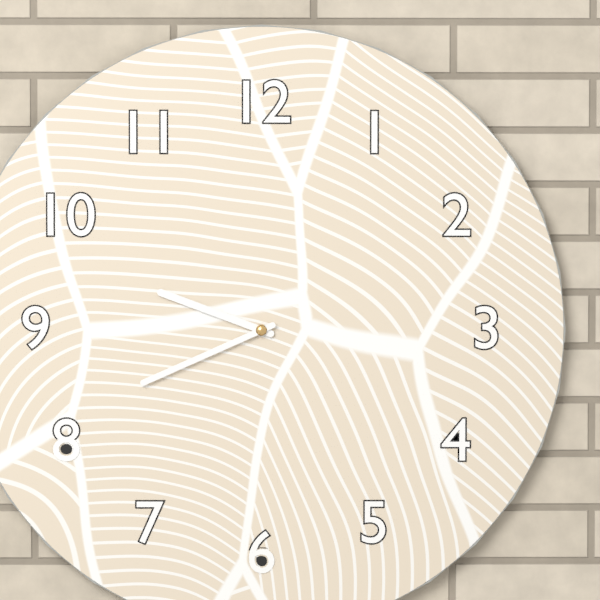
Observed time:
{"hour": 9, "minute": 41}
